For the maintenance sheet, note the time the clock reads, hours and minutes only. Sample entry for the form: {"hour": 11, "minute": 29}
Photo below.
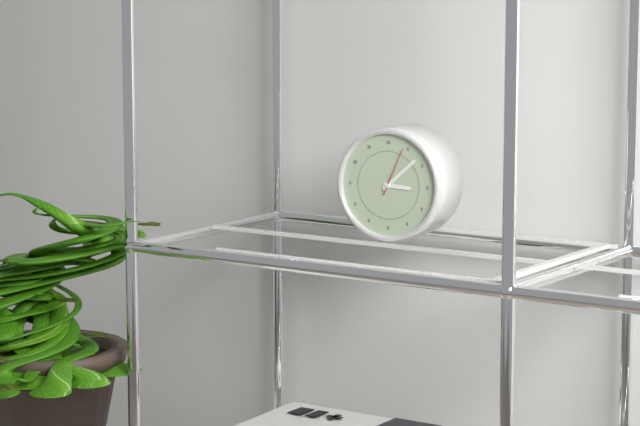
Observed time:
{"hour": 3, "minute": 8}
